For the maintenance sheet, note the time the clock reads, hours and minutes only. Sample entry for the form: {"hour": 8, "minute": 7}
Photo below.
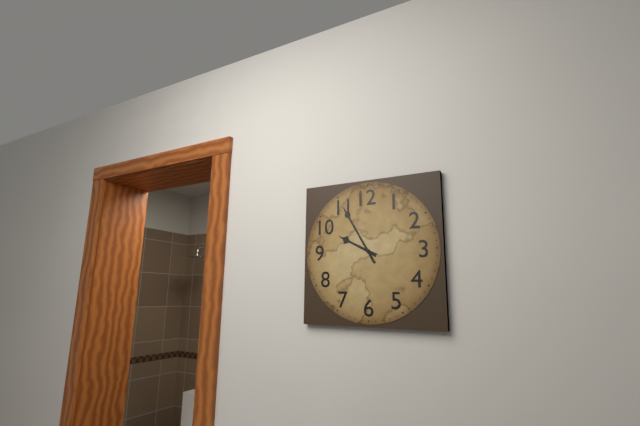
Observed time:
{"hour": 9, "minute": 55}
